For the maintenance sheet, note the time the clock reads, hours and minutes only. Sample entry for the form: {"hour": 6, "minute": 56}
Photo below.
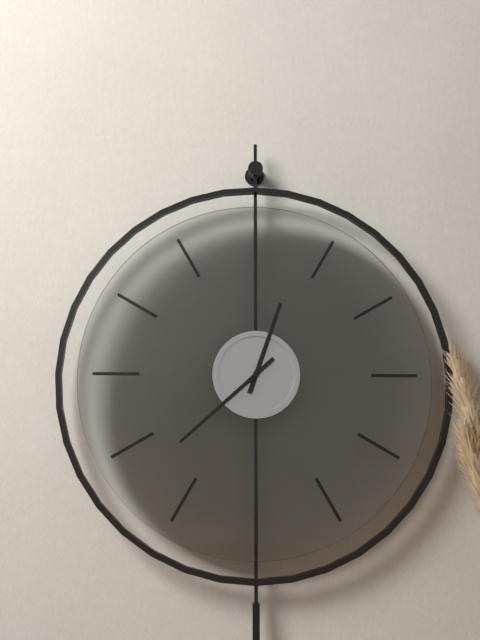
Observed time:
{"hour": 12, "minute": 38}
